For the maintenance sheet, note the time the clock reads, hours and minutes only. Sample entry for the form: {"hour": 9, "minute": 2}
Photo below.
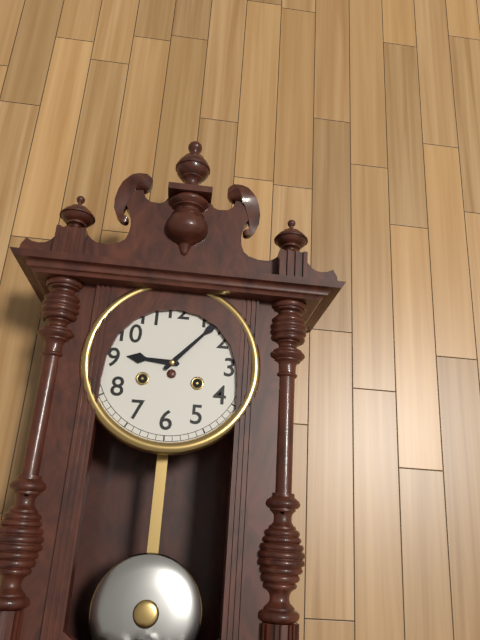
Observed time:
{"hour": 9, "minute": 7}
